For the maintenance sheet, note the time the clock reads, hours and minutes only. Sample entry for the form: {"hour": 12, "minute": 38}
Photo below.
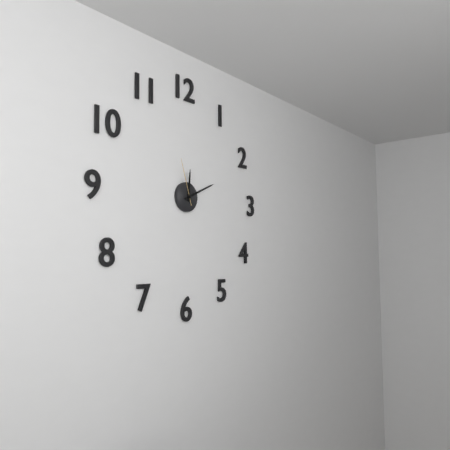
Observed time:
{"hour": 12, "minute": 11}
